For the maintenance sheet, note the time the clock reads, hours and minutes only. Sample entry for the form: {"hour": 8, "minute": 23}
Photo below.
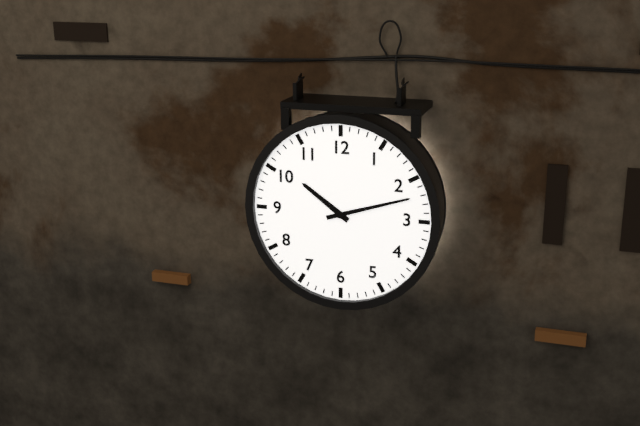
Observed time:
{"hour": 10, "minute": 12}
